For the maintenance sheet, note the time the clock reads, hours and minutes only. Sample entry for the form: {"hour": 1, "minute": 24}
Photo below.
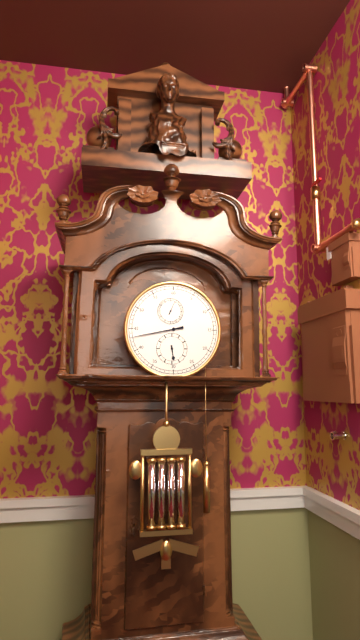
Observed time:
{"hour": 5, "minute": 43}
